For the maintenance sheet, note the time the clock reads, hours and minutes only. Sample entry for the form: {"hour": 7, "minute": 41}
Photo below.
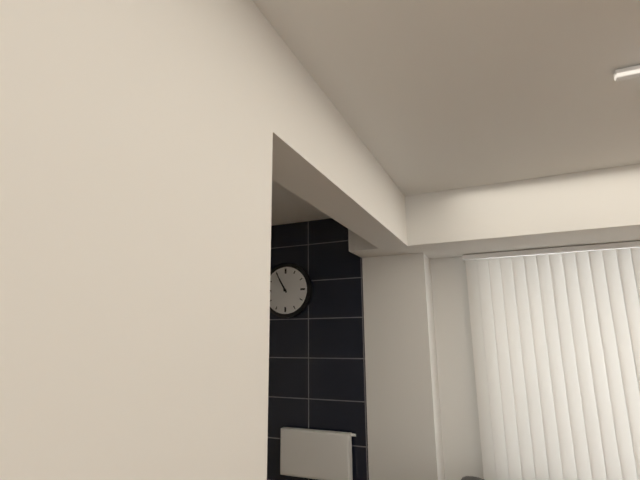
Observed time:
{"hour": 10, "minute": 55}
